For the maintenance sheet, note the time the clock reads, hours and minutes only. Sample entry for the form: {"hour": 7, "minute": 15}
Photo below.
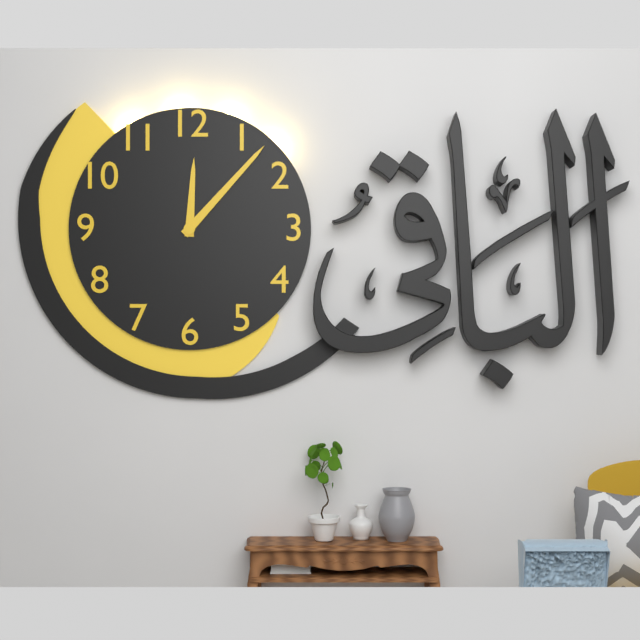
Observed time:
{"hour": 12, "minute": 7}
